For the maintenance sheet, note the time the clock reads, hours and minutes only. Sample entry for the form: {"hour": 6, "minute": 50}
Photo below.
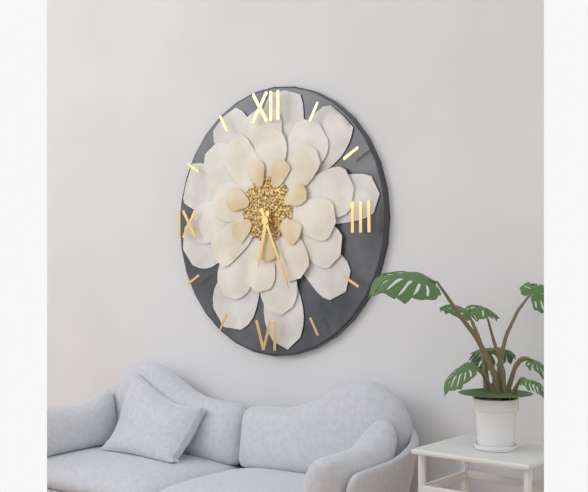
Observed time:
{"hour": 6, "minute": 26}
